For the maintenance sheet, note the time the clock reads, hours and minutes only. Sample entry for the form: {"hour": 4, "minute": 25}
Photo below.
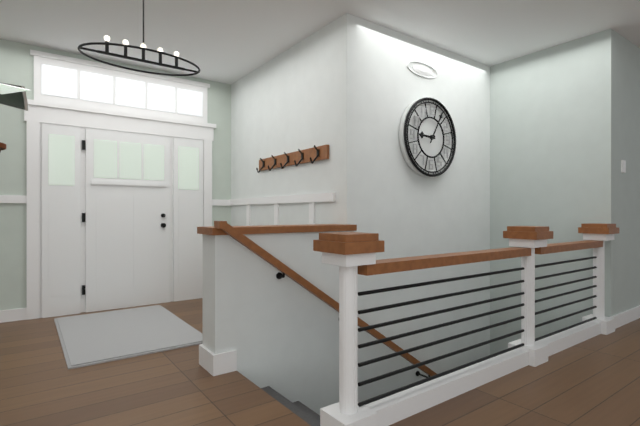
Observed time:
{"hour": 9, "minute": 5}
